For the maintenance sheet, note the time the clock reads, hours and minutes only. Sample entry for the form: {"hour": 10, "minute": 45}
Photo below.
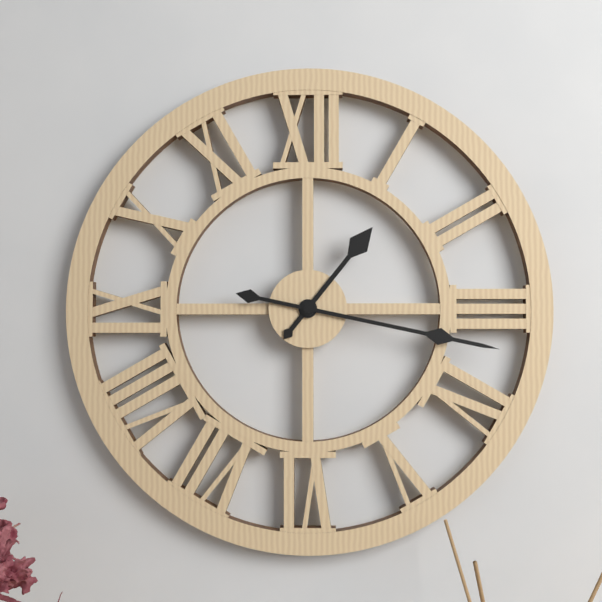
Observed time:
{"hour": 1, "minute": 17}
